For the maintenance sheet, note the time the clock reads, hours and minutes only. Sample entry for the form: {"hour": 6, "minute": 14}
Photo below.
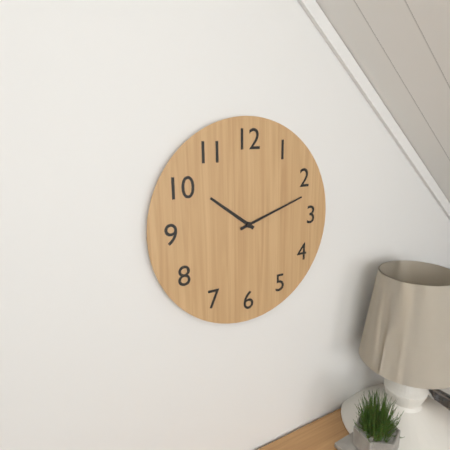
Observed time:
{"hour": 10, "minute": 12}
